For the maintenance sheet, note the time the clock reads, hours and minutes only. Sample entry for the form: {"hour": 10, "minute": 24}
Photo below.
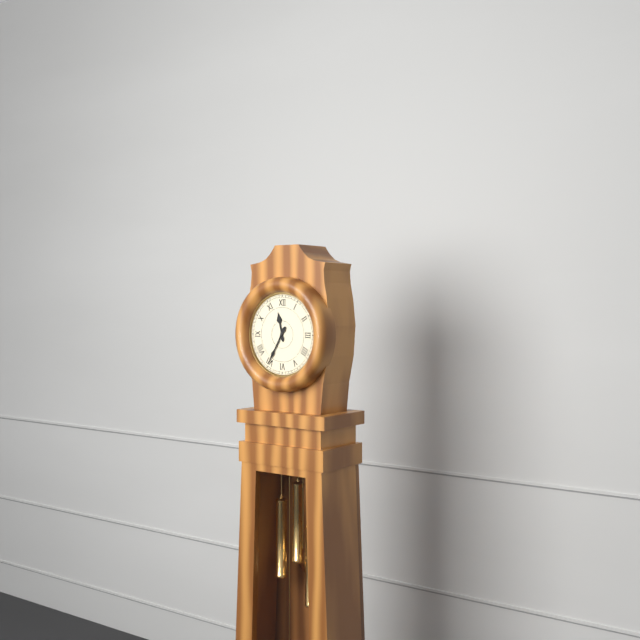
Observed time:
{"hour": 11, "minute": 35}
